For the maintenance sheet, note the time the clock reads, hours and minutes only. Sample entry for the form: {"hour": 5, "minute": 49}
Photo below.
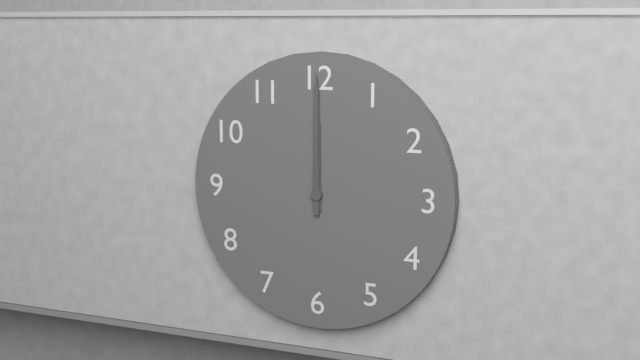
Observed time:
{"hour": 12, "minute": 0}
